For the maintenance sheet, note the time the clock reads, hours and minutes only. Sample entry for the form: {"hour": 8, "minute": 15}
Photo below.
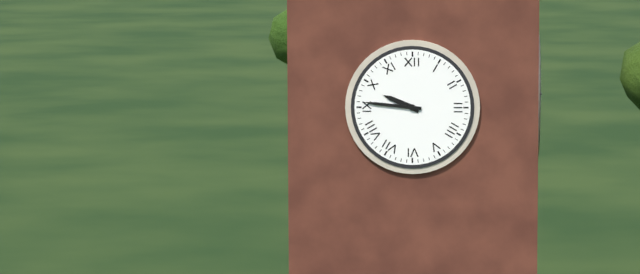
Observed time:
{"hour": 9, "minute": 46}
